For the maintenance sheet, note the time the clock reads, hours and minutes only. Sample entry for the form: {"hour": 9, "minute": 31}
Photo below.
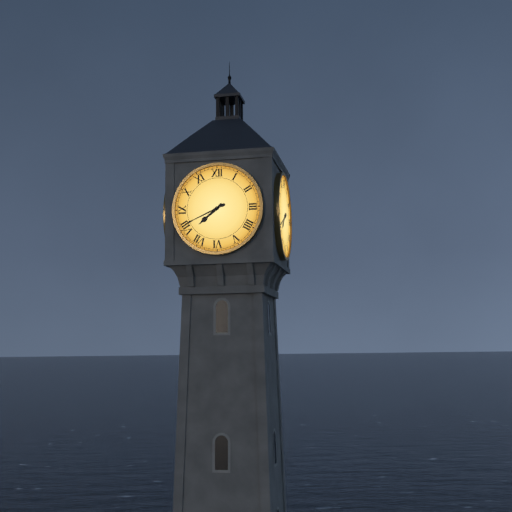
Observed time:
{"hour": 7, "minute": 41}
